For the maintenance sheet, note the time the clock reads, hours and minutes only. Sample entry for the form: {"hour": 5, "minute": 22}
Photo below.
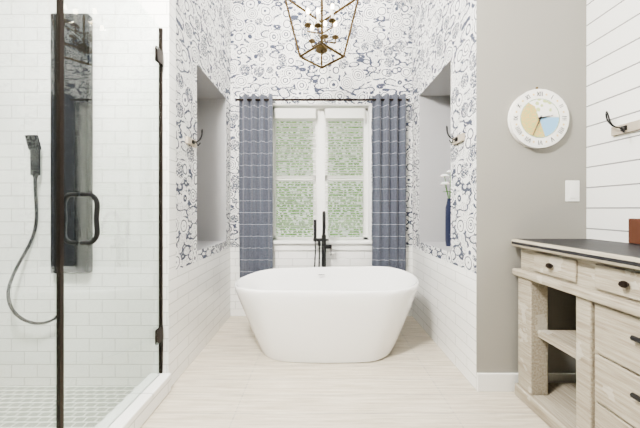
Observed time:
{"hour": 2, "minute": 34}
